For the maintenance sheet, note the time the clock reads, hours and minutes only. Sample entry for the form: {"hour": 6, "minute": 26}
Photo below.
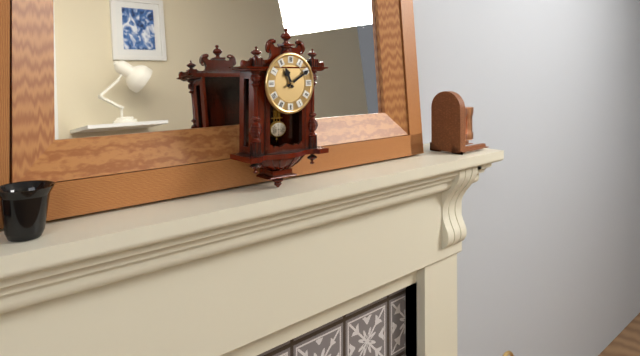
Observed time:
{"hour": 11, "minute": 10}
